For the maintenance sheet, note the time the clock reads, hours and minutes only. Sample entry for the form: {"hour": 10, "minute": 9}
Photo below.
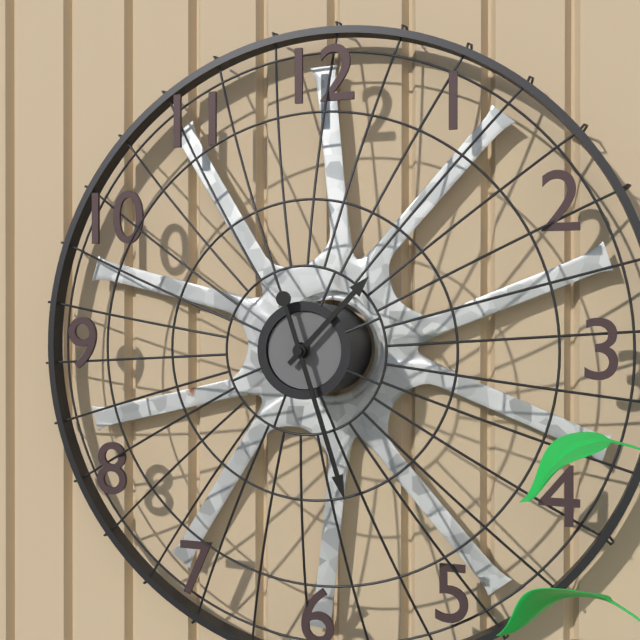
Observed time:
{"hour": 1, "minute": 27}
